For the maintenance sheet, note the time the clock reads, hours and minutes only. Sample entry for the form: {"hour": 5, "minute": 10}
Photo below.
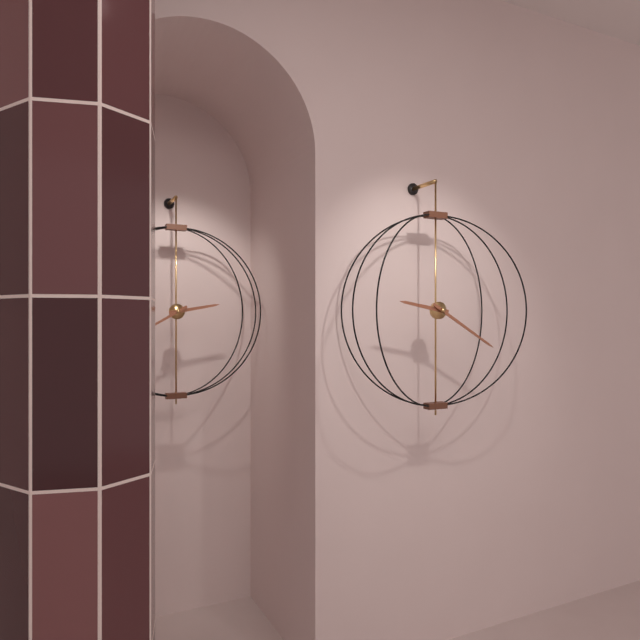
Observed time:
{"hour": 9, "minute": 20}
